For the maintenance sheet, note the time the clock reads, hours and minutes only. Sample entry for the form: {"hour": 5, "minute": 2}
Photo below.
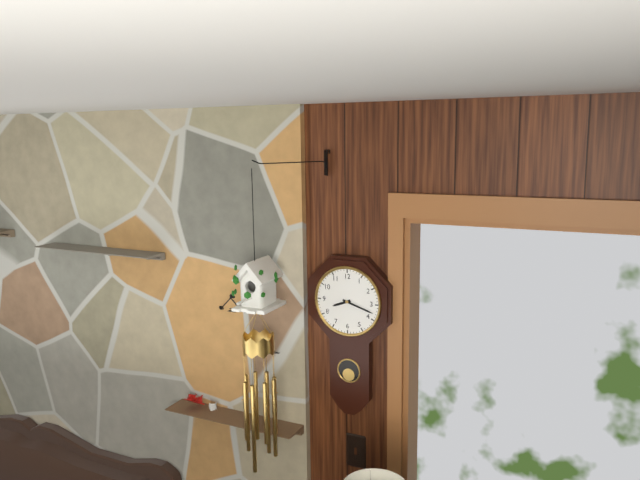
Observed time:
{"hour": 8, "minute": 18}
